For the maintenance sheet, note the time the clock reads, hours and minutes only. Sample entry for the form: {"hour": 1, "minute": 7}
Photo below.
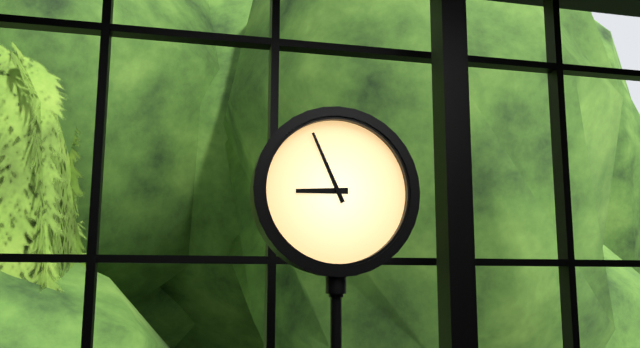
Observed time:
{"hour": 8, "minute": 56}
